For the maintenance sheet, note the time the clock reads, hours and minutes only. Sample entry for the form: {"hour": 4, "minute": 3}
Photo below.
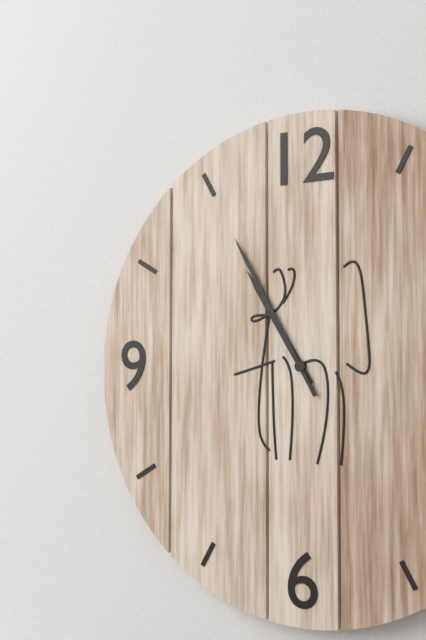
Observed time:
{"hour": 10, "minute": 55}
